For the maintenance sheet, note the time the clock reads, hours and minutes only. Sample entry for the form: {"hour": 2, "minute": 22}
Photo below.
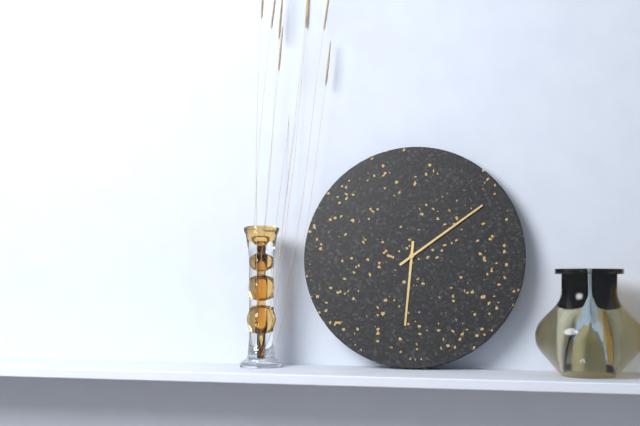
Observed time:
{"hour": 6, "minute": 9}
